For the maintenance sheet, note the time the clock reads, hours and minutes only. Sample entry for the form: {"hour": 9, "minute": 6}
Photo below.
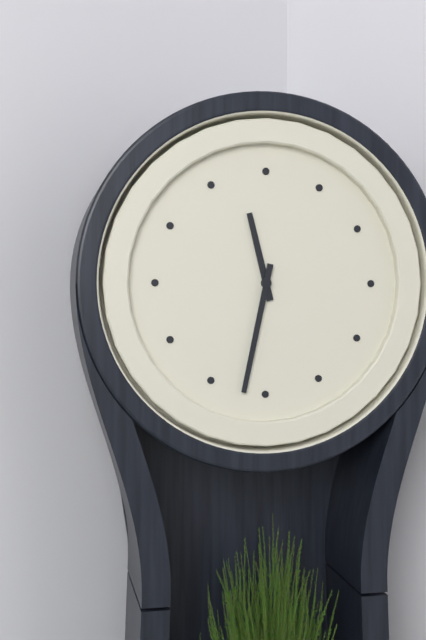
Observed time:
{"hour": 11, "minute": 32}
